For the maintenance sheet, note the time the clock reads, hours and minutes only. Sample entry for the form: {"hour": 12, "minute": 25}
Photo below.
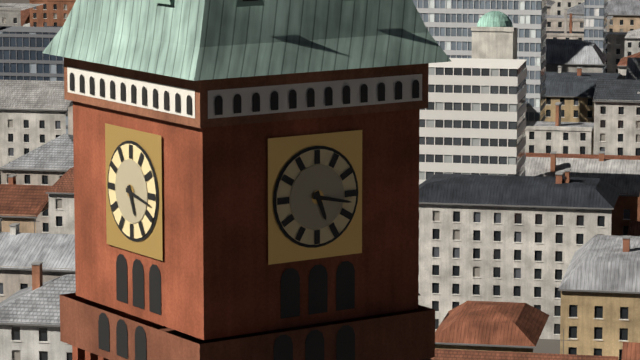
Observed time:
{"hour": 5, "minute": 17}
